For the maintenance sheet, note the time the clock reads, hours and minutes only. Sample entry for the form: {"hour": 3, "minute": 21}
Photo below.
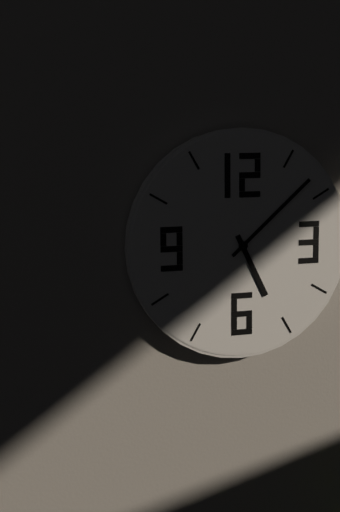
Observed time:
{"hour": 5, "minute": 8}
